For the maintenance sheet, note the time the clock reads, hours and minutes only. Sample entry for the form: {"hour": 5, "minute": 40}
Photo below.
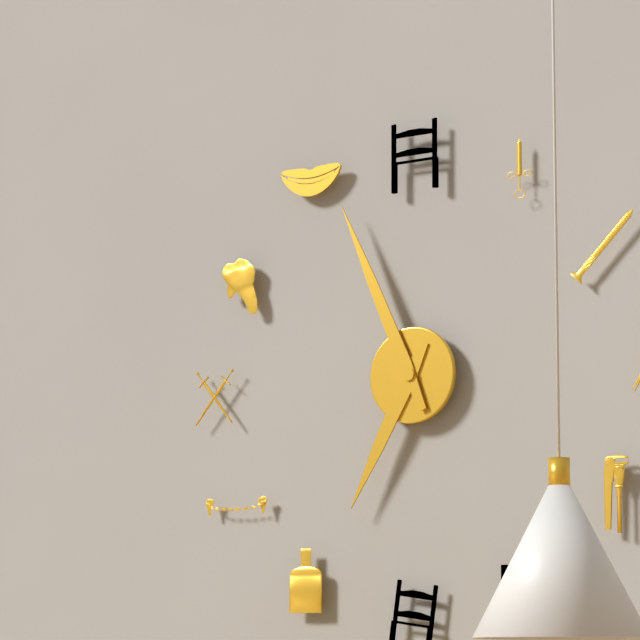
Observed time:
{"hour": 6, "minute": 56}
